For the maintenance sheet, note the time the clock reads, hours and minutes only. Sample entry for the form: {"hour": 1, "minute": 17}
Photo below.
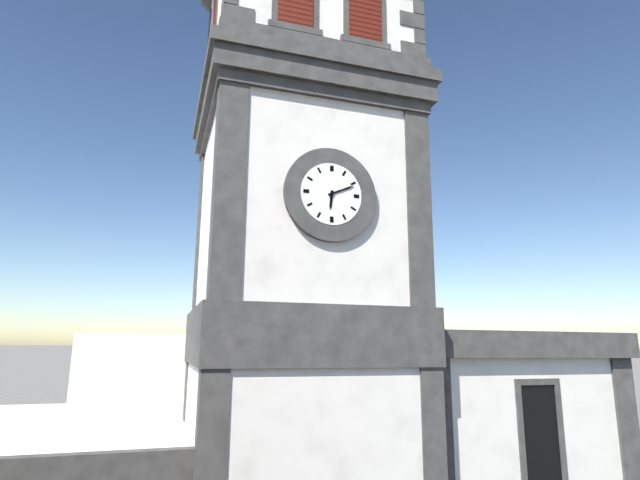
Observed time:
{"hour": 6, "minute": 11}
